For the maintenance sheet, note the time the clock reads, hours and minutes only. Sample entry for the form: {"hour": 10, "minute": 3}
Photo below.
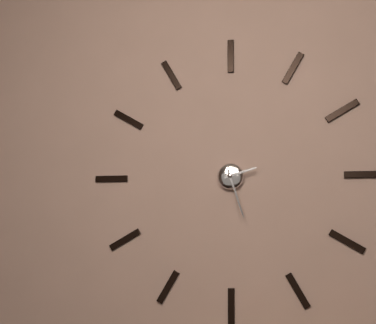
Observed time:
{"hour": 2, "minute": 27}
